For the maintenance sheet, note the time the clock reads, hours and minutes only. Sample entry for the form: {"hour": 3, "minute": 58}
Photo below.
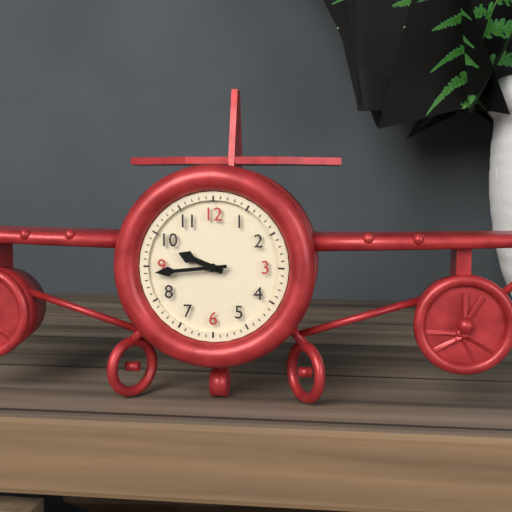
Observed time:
{"hour": 9, "minute": 44}
